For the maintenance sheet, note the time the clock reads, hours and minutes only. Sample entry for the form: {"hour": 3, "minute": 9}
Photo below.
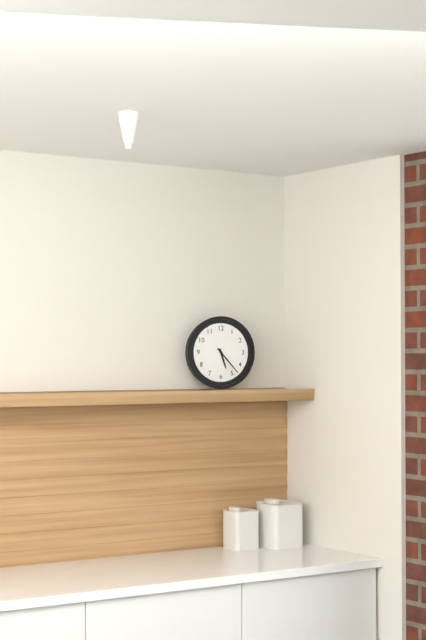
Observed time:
{"hour": 5, "minute": 23}
